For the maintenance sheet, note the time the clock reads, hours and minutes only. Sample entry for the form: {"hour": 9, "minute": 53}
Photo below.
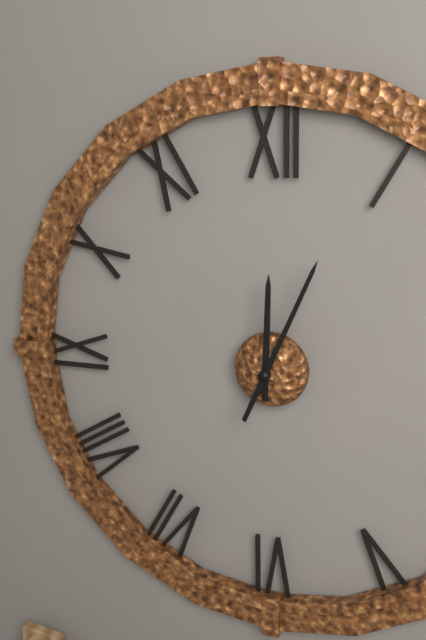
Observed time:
{"hour": 12, "minute": 4}
